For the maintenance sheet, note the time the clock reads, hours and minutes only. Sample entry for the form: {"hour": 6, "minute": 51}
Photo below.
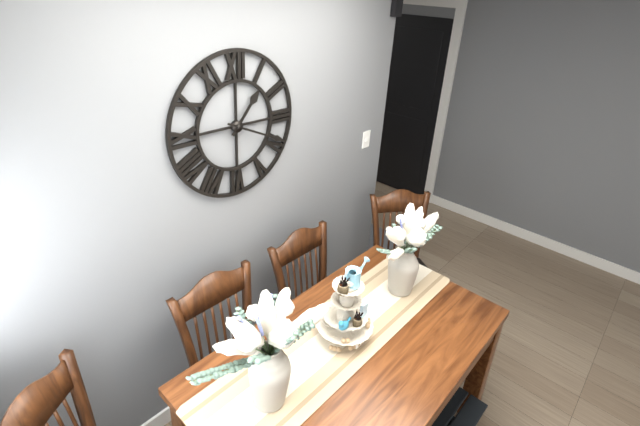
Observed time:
{"hour": 1, "minute": 19}
